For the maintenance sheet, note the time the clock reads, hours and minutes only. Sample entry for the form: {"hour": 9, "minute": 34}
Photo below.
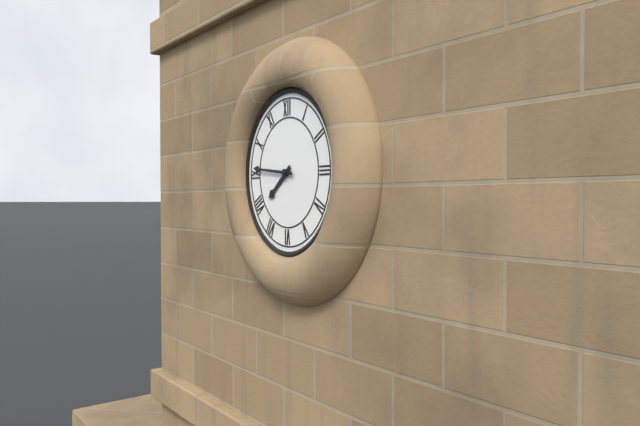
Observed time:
{"hour": 7, "minute": 46}
